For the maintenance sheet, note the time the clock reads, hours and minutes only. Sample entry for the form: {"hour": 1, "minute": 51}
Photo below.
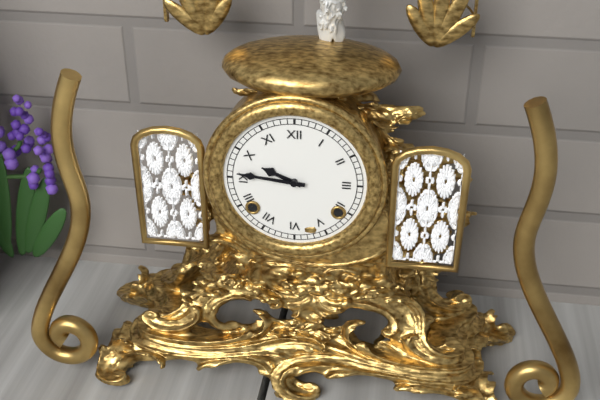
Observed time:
{"hour": 9, "minute": 46}
